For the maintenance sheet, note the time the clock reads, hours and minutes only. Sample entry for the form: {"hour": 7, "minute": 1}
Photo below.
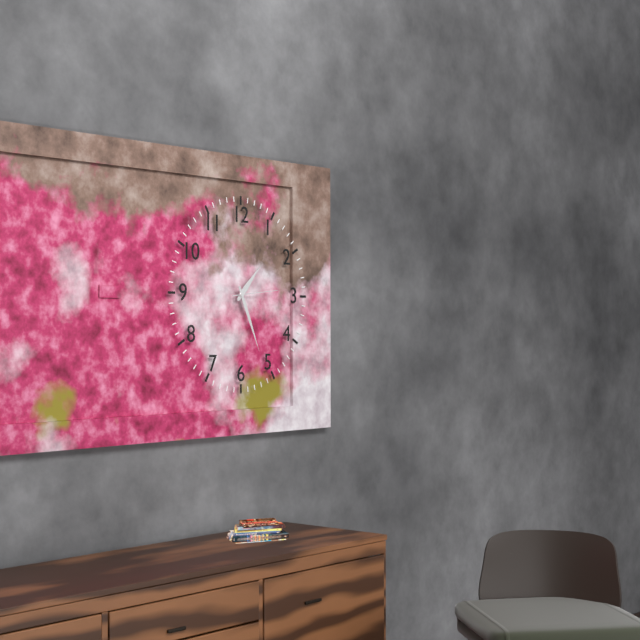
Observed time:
{"hour": 1, "minute": 26}
